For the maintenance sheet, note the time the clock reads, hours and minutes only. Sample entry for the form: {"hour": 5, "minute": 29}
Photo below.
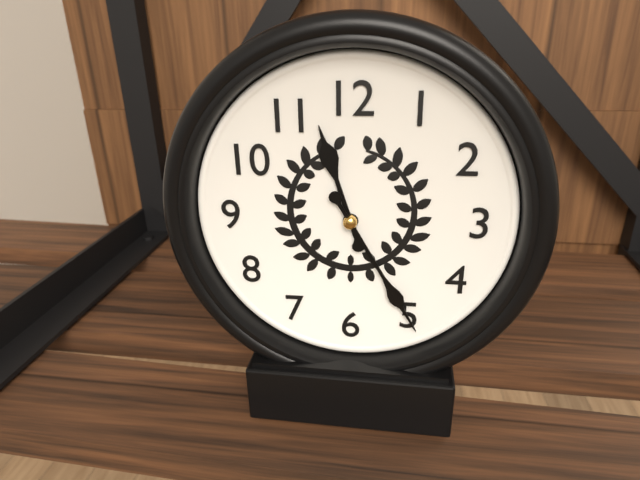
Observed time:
{"hour": 11, "minute": 25}
